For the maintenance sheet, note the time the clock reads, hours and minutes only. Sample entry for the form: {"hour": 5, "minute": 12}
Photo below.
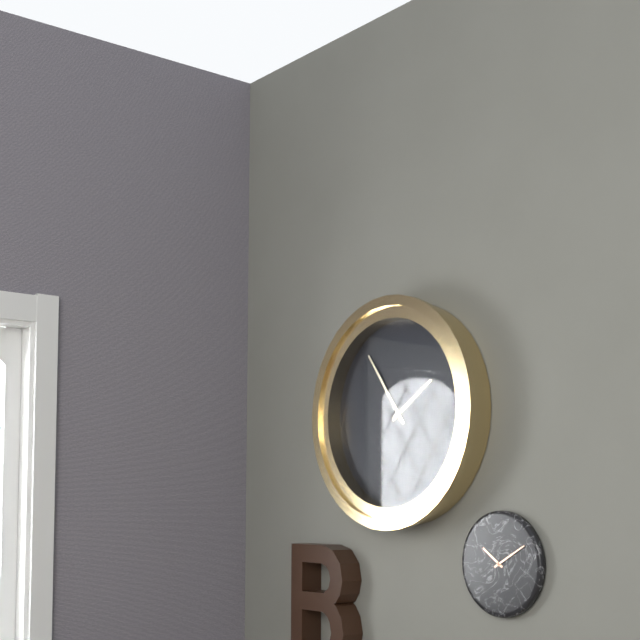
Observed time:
{"hour": 1, "minute": 54}
